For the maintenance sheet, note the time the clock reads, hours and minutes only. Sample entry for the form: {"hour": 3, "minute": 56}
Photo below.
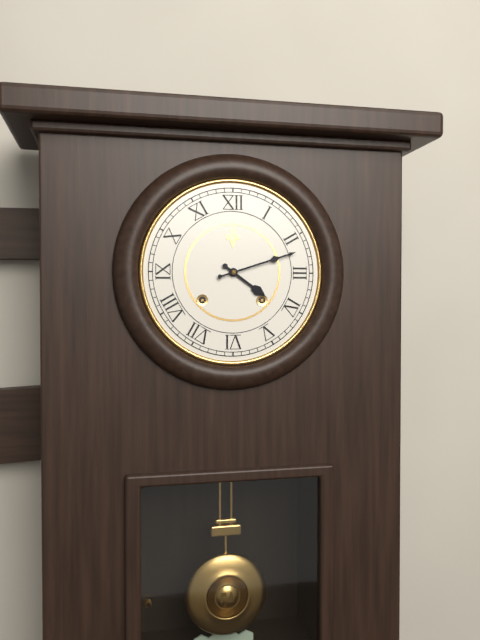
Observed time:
{"hour": 4, "minute": 12}
